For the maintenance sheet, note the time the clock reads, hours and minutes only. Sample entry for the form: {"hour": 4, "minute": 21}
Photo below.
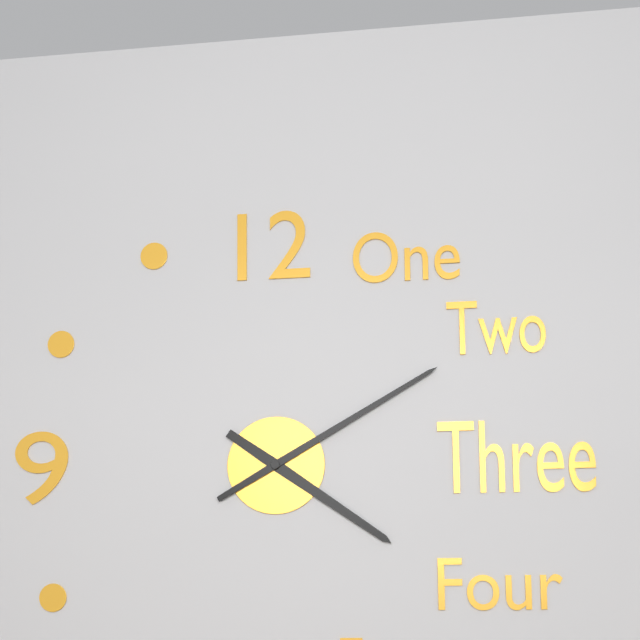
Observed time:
{"hour": 4, "minute": 10}
